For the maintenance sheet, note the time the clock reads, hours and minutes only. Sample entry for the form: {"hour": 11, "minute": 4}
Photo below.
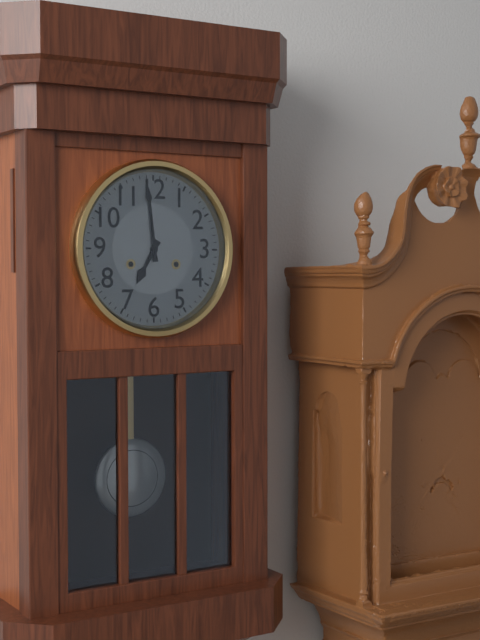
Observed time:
{"hour": 6, "minute": 59}
